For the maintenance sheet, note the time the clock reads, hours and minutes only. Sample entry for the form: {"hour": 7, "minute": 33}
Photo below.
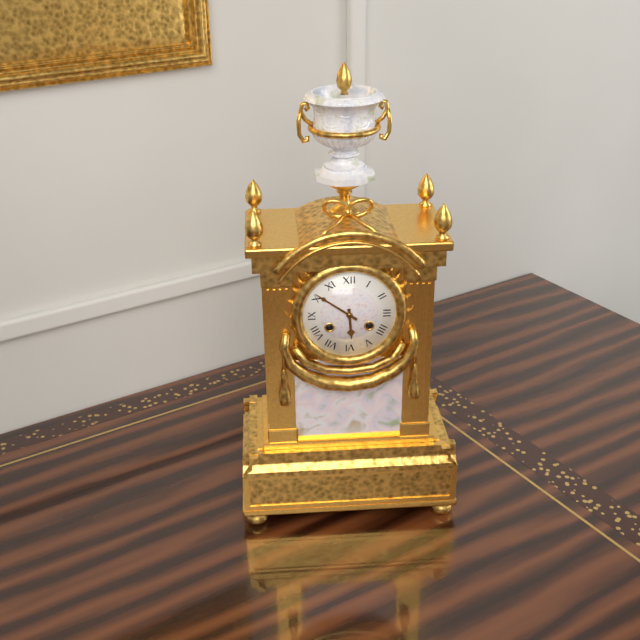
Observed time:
{"hour": 5, "minute": 51}
